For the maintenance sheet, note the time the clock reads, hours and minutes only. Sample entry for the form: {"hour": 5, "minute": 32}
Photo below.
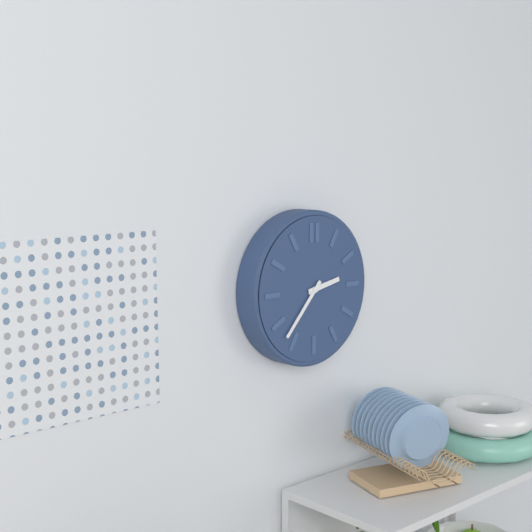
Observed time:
{"hour": 2, "minute": 37}
